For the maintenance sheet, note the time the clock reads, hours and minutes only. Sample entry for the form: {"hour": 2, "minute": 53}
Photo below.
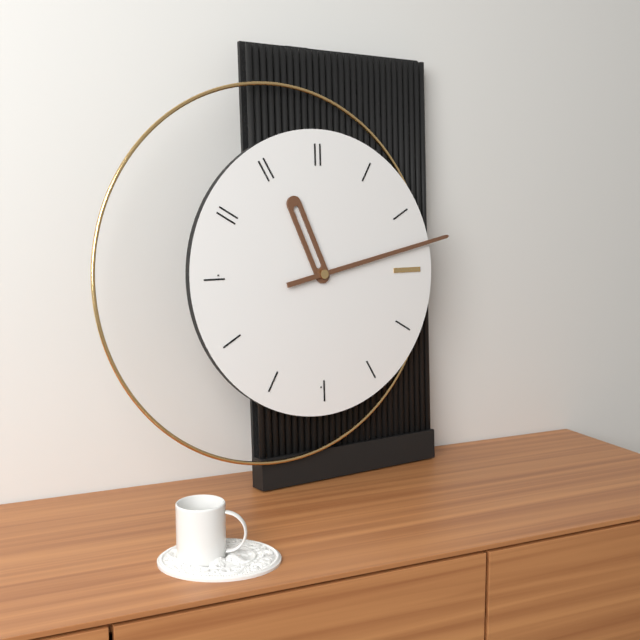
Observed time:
{"hour": 11, "minute": 13}
